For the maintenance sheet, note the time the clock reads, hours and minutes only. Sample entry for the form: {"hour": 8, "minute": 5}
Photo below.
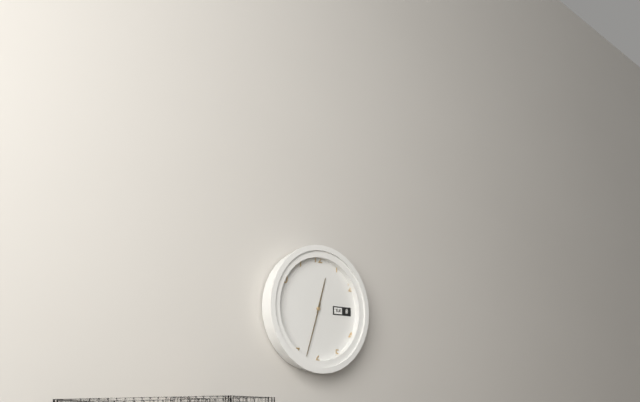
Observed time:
{"hour": 12, "minute": 33}
